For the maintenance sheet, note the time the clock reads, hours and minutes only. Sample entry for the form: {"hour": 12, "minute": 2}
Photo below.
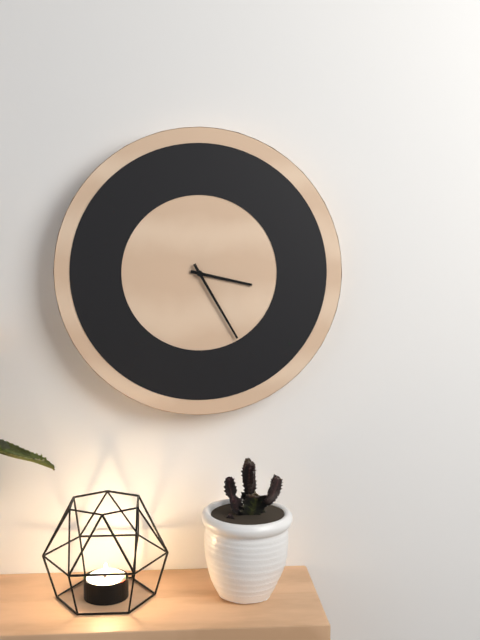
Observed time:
{"hour": 3, "minute": 25}
